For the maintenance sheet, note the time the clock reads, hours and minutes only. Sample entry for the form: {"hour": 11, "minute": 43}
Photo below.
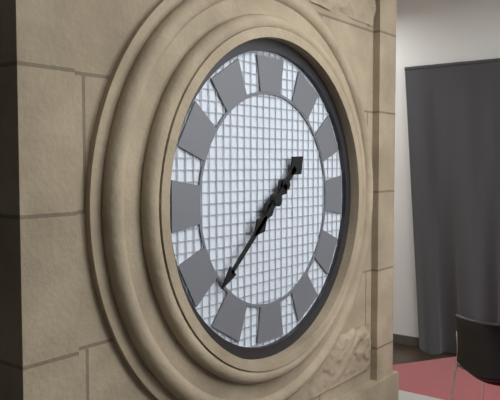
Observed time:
{"hour": 1, "minute": 38}
